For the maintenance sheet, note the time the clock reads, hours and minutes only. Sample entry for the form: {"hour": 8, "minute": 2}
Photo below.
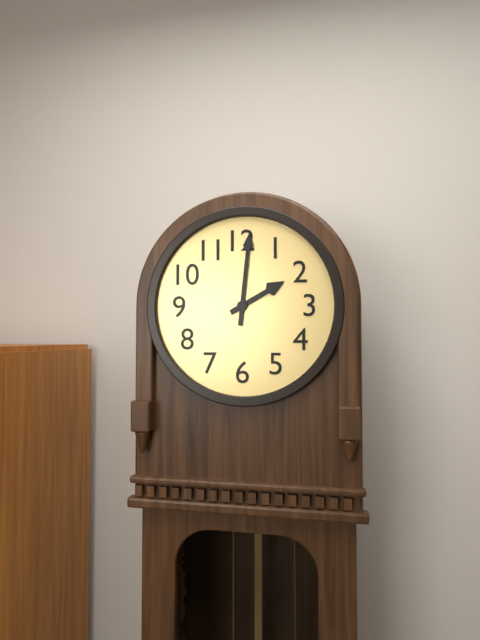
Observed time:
{"hour": 2, "minute": 1}
